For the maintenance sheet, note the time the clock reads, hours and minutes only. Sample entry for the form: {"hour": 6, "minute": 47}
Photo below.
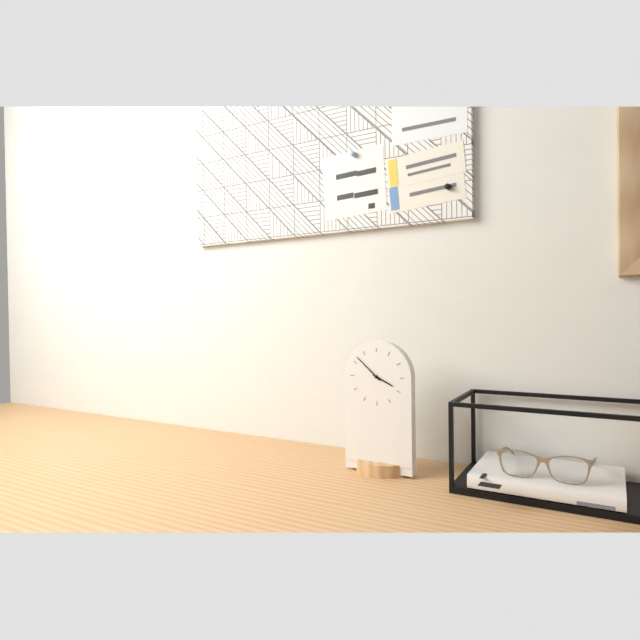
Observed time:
{"hour": 3, "minute": 52}
